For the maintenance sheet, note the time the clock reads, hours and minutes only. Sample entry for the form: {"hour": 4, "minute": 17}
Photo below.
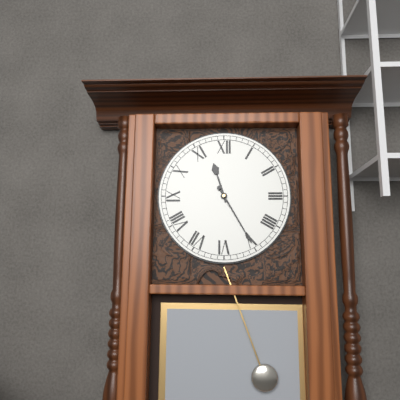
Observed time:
{"hour": 11, "minute": 25}
